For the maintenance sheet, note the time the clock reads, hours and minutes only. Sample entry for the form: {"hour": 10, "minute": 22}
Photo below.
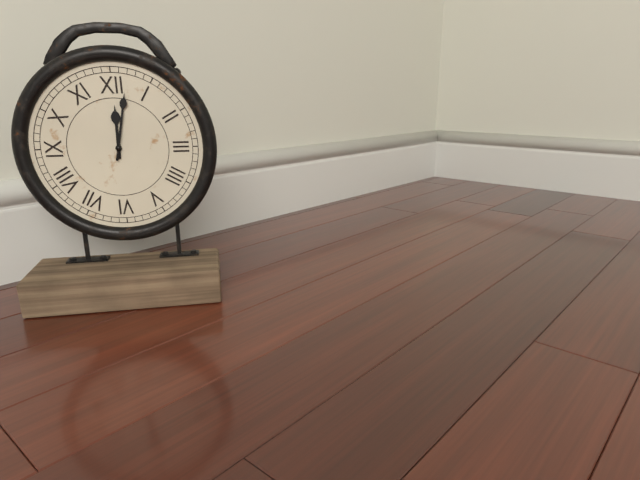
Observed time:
{"hour": 12, "minute": 2}
